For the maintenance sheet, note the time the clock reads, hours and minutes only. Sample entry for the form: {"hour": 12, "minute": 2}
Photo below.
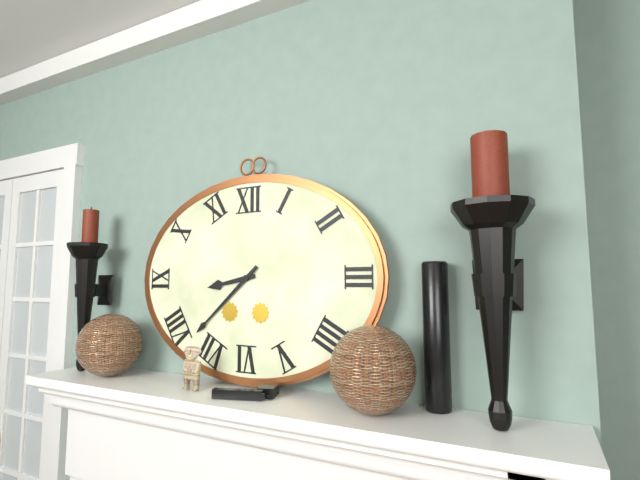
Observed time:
{"hour": 8, "minute": 38}
